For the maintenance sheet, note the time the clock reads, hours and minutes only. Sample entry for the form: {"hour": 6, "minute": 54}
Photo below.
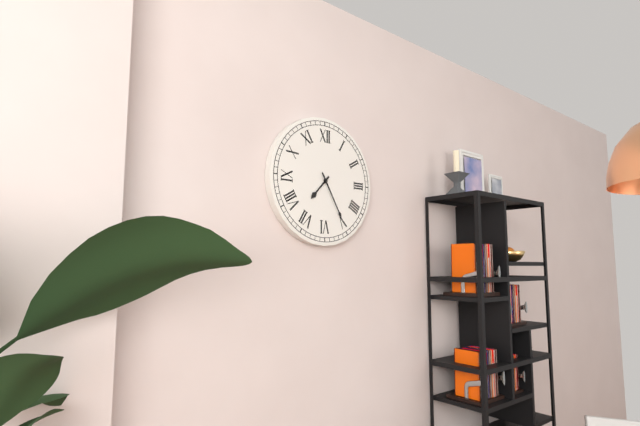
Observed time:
{"hour": 7, "minute": 25}
